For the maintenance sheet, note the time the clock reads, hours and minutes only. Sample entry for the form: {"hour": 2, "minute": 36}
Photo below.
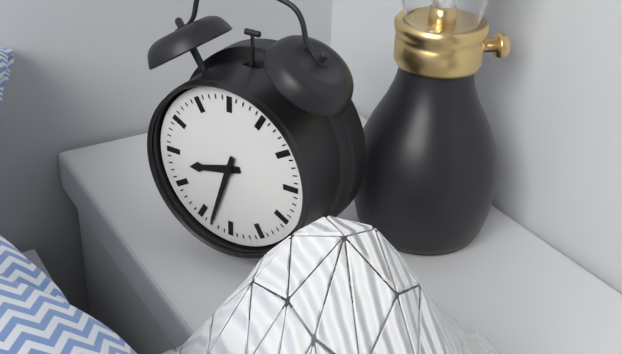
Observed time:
{"hour": 8, "minute": 33}
